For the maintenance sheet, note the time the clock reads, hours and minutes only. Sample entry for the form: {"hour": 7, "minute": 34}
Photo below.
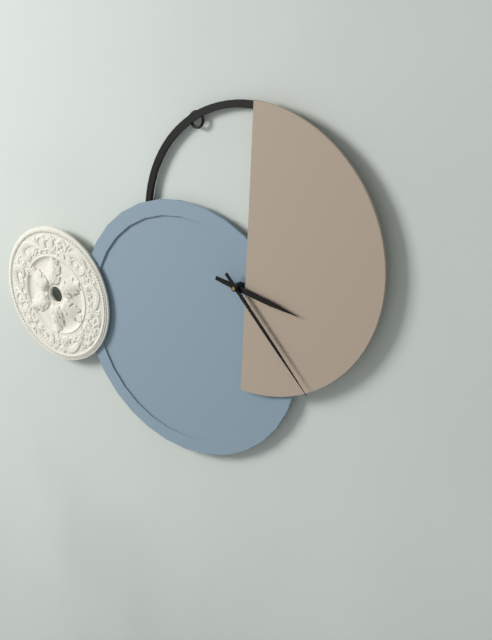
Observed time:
{"hour": 3, "minute": 23}
